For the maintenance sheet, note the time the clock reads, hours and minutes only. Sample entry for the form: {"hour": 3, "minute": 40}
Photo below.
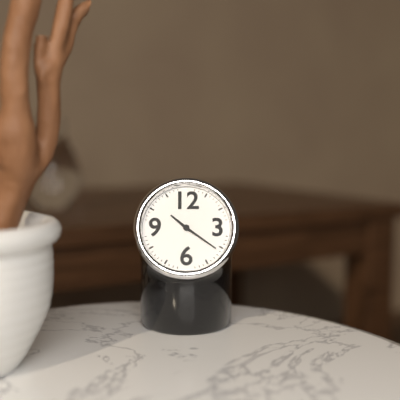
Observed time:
{"hour": 10, "minute": 21}
